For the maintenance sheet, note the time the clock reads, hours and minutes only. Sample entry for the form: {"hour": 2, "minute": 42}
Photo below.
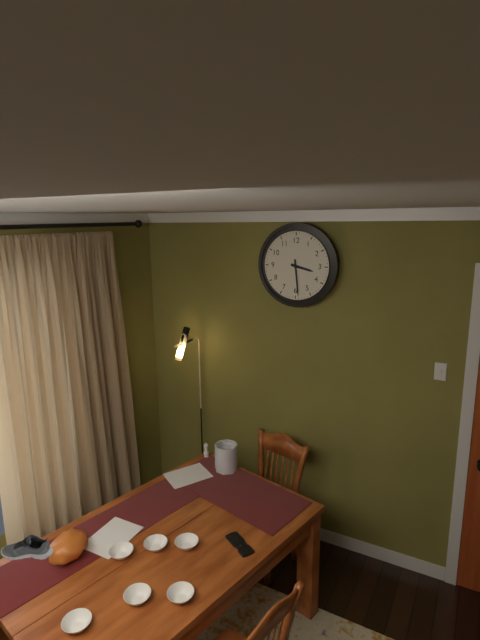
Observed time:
{"hour": 3, "minute": 29}
